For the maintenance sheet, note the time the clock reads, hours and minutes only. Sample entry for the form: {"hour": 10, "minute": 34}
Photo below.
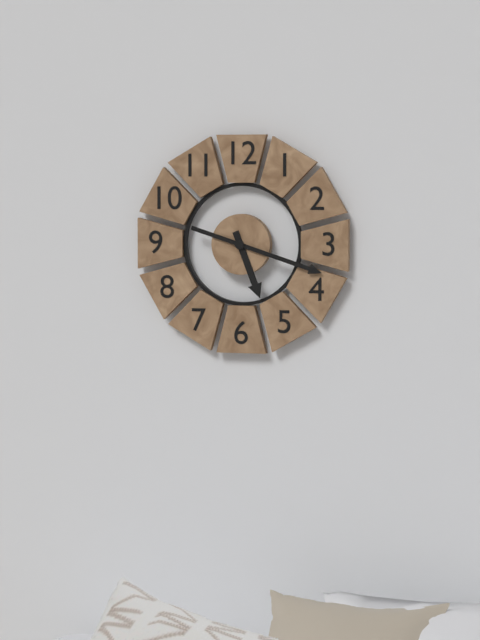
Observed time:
{"hour": 5, "minute": 18}
